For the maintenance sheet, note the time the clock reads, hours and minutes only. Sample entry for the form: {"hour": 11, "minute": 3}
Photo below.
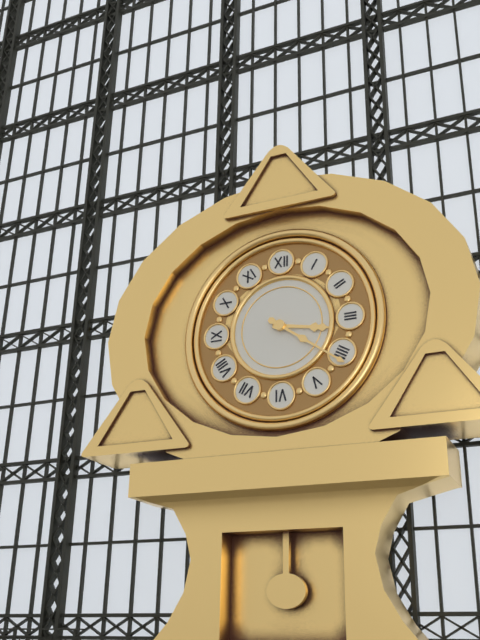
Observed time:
{"hour": 3, "minute": 21}
